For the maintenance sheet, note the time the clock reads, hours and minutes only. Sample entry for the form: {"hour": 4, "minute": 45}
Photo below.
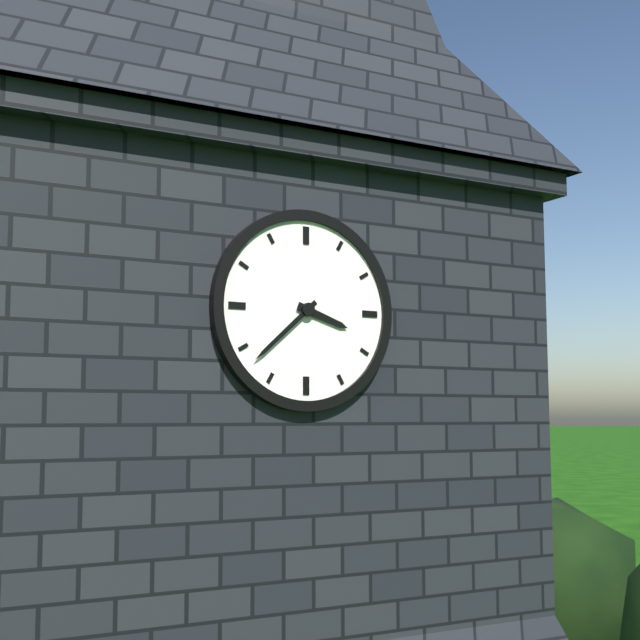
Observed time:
{"hour": 3, "minute": 38}
